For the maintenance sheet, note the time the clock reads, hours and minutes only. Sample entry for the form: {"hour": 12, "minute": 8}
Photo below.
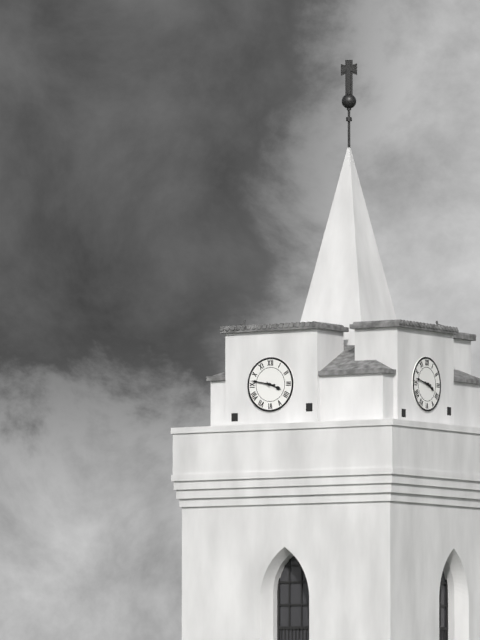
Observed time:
{"hour": 3, "minute": 47}
